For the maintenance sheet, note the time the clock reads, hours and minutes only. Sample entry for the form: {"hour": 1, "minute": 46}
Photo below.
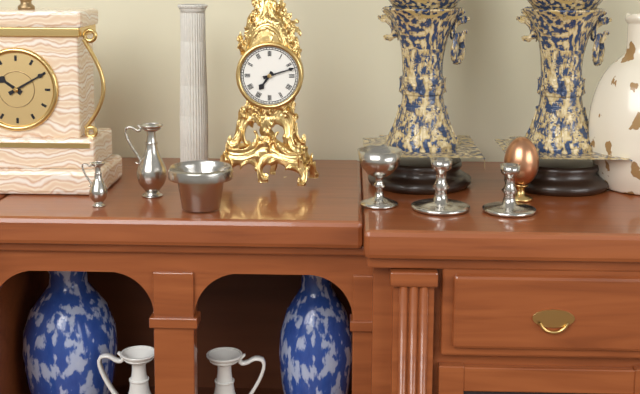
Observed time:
{"hour": 7, "minute": 12}
